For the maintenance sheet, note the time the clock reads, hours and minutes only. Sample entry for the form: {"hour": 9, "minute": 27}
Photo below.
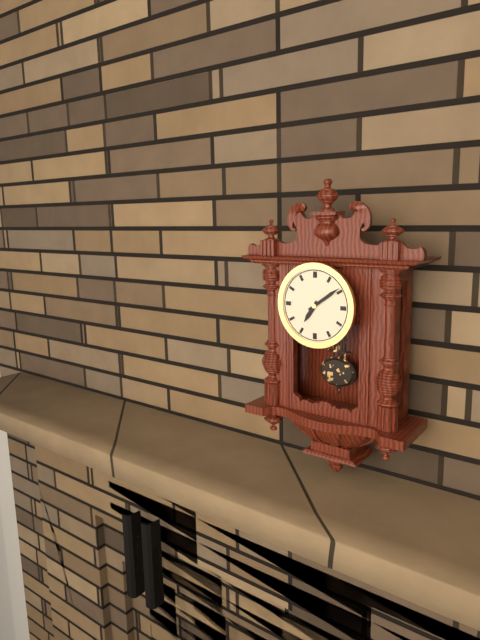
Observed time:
{"hour": 7, "minute": 9}
